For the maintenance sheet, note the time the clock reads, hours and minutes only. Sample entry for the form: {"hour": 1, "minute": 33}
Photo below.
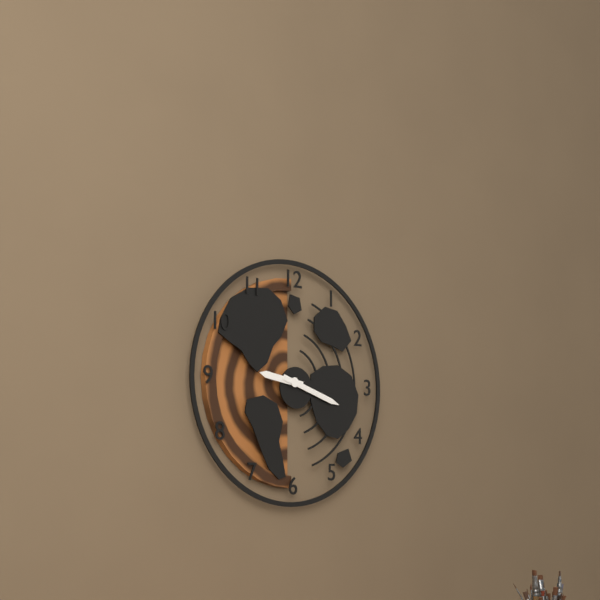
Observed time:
{"hour": 9, "minute": 18}
